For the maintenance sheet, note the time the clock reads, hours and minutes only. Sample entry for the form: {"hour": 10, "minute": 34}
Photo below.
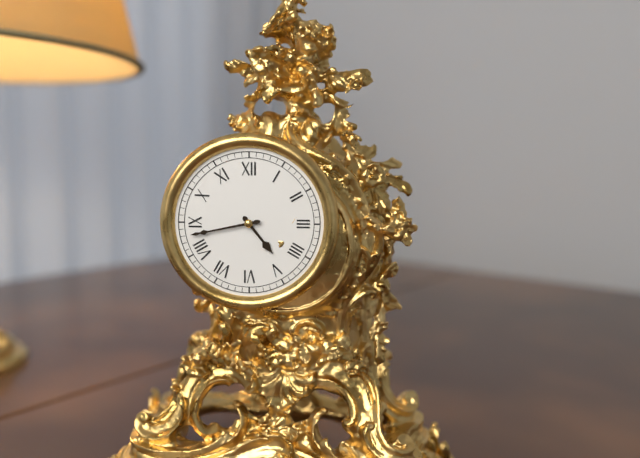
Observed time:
{"hour": 4, "minute": 43}
